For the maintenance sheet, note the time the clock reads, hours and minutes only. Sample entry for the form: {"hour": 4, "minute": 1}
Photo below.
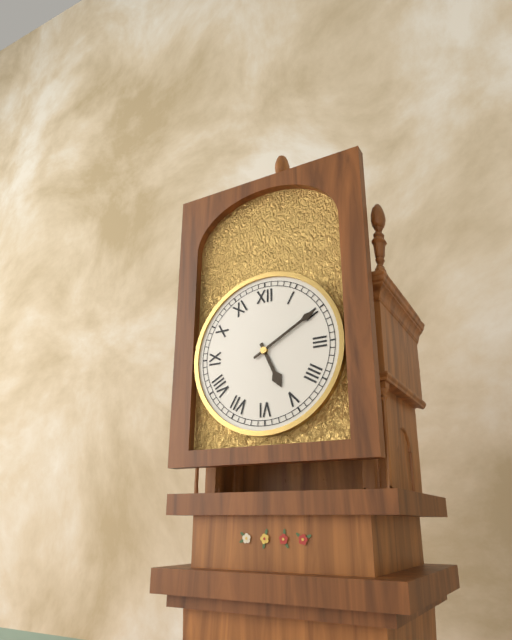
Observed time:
{"hour": 5, "minute": 10}
